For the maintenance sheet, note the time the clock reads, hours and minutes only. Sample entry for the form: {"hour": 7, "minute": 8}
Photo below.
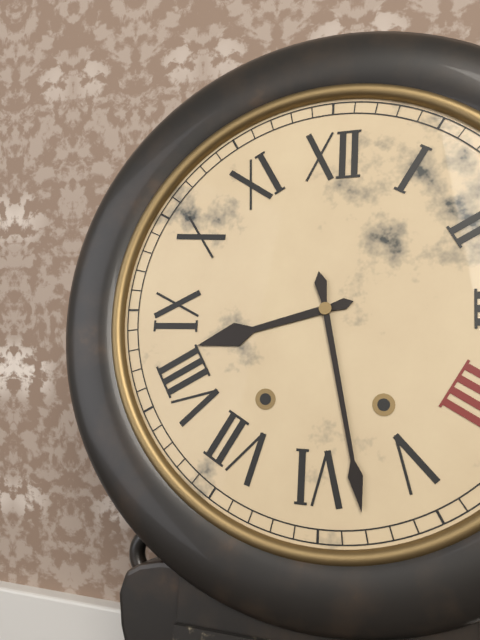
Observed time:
{"hour": 8, "minute": 28}
